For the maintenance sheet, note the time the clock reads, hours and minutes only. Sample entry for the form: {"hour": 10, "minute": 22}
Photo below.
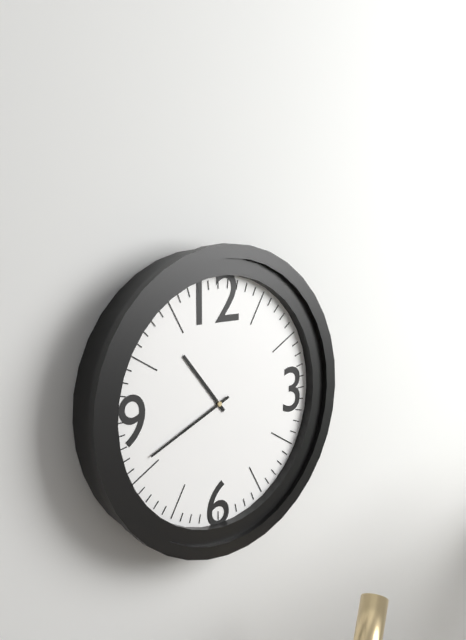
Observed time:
{"hour": 10, "minute": 41}
